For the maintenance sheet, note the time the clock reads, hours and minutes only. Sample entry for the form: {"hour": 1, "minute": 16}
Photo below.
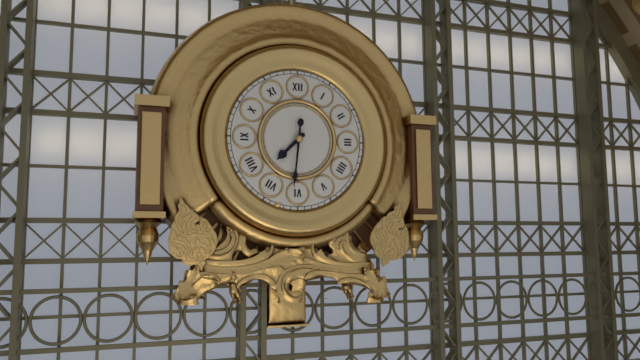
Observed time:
{"hour": 7, "minute": 31}
